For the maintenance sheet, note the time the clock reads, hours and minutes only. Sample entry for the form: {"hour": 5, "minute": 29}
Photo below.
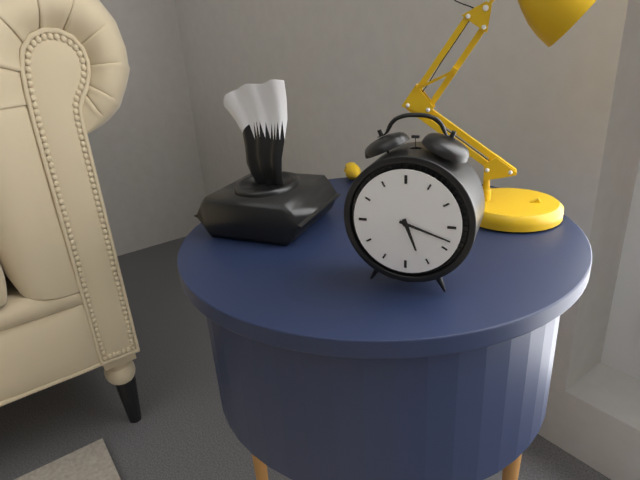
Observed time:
{"hour": 5, "minute": 18}
